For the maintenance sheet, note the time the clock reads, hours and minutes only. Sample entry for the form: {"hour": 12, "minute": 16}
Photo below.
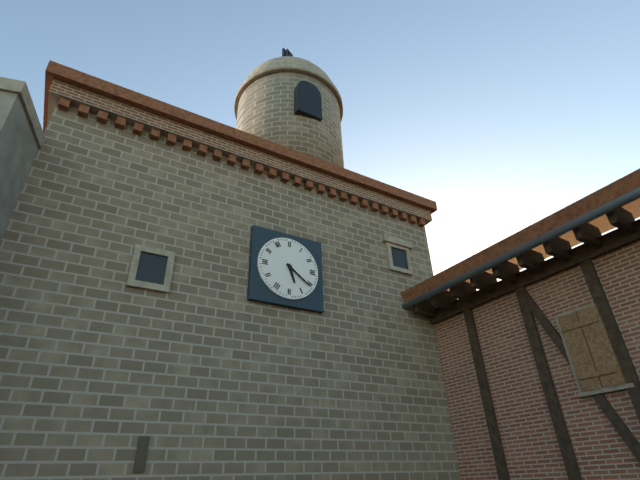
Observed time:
{"hour": 5, "minute": 21}
